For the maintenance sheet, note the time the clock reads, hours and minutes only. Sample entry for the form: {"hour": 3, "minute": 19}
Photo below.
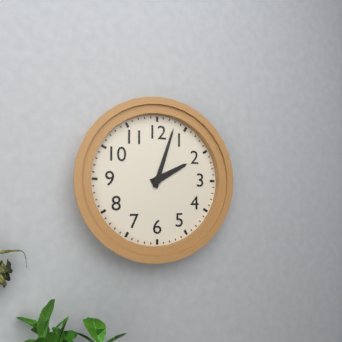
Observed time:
{"hour": 2, "minute": 3}
